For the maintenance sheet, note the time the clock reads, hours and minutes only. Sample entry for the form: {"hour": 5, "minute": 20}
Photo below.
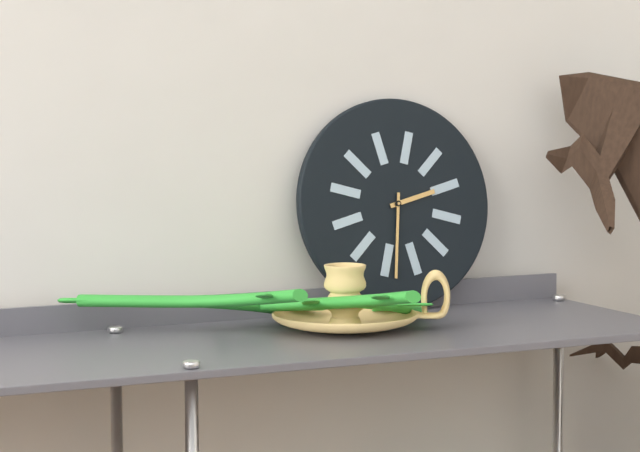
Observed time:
{"hour": 2, "minute": 31}
